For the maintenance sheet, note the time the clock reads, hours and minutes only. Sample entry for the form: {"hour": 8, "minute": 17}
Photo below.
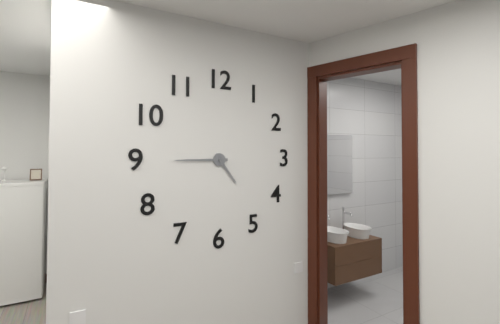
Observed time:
{"hour": 4, "minute": 45}
